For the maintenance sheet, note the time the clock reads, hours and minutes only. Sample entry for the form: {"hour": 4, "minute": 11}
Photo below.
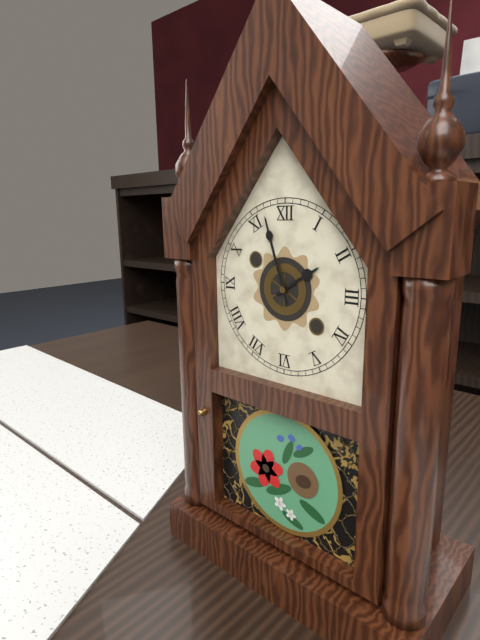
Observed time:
{"hour": 1, "minute": 57}
